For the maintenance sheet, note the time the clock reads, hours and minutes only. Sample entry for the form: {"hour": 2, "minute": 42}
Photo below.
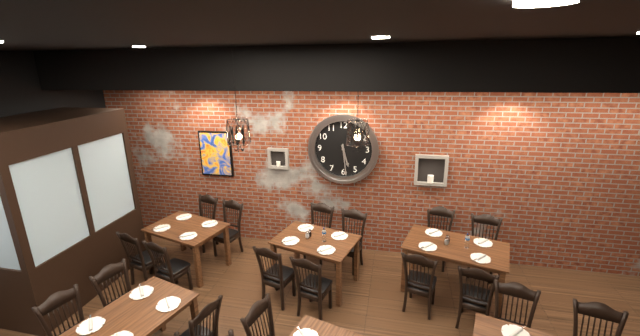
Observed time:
{"hour": 5, "minute": 29}
